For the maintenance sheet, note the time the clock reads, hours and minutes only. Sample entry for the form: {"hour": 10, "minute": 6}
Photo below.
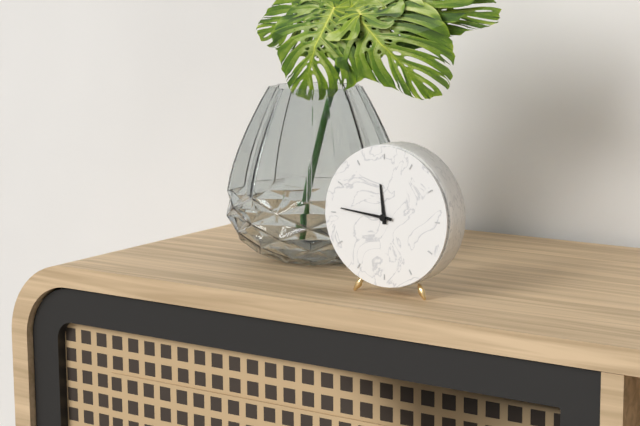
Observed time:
{"hour": 11, "minute": 46}
